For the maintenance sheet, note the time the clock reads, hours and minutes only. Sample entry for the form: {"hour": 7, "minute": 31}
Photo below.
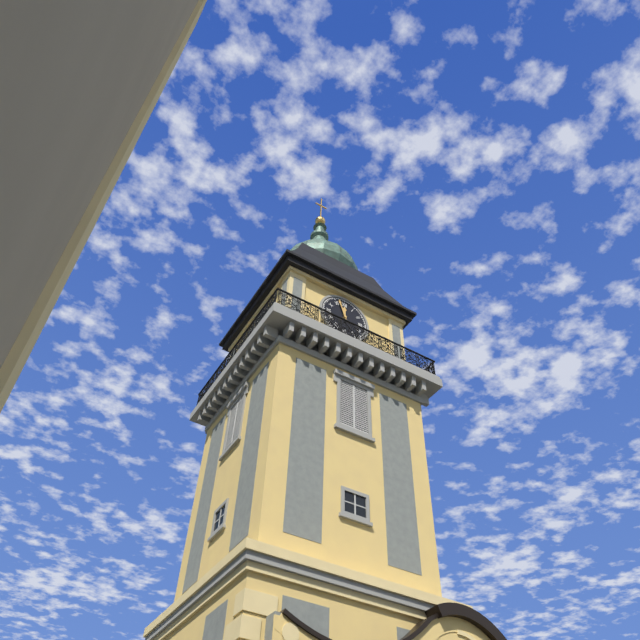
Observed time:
{"hour": 11, "minute": 57}
